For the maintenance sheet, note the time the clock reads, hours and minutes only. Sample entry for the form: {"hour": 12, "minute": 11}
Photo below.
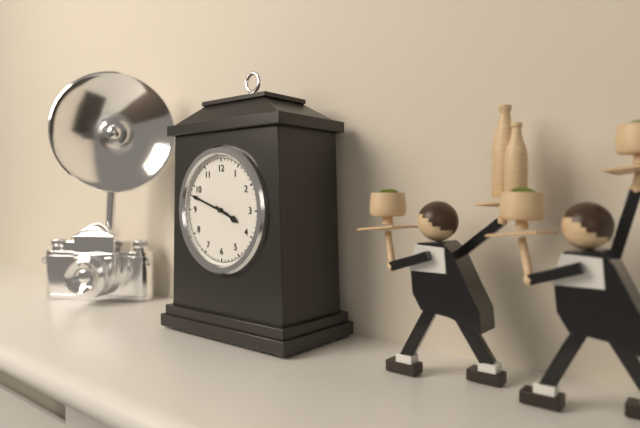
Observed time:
{"hour": 3, "minute": 48}
